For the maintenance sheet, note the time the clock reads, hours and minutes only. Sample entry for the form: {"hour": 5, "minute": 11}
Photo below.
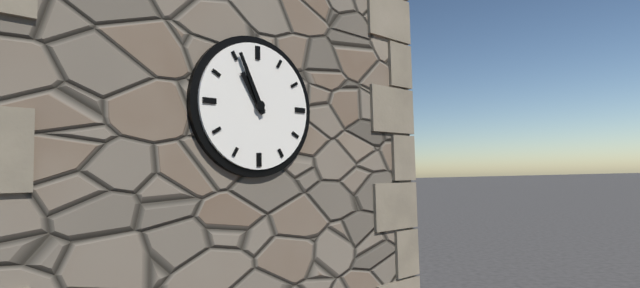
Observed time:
{"hour": 10, "minute": 56}
